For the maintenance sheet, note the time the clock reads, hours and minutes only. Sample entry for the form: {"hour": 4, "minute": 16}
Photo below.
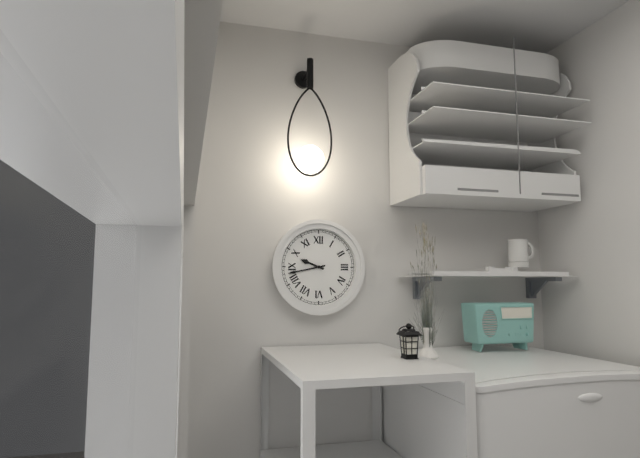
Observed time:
{"hour": 9, "minute": 43}
